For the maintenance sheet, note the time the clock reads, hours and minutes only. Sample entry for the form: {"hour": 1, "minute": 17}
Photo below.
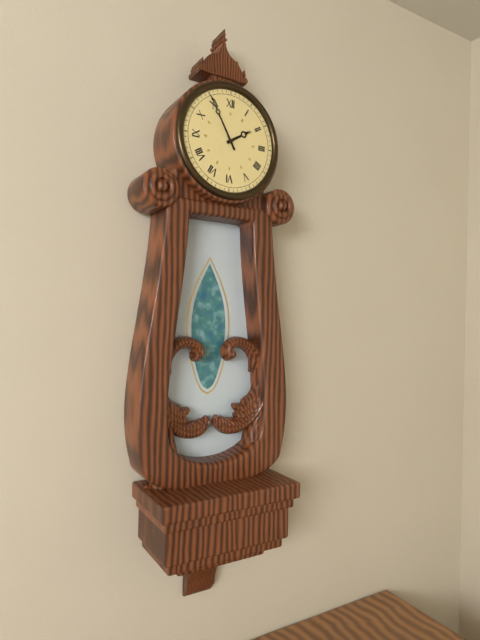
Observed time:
{"hour": 1, "minute": 55}
